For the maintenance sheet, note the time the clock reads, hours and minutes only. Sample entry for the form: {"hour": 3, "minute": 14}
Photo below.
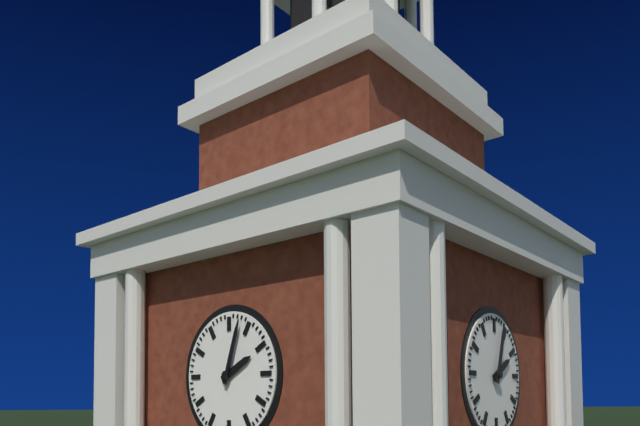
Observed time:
{"hour": 2, "minute": 3}
